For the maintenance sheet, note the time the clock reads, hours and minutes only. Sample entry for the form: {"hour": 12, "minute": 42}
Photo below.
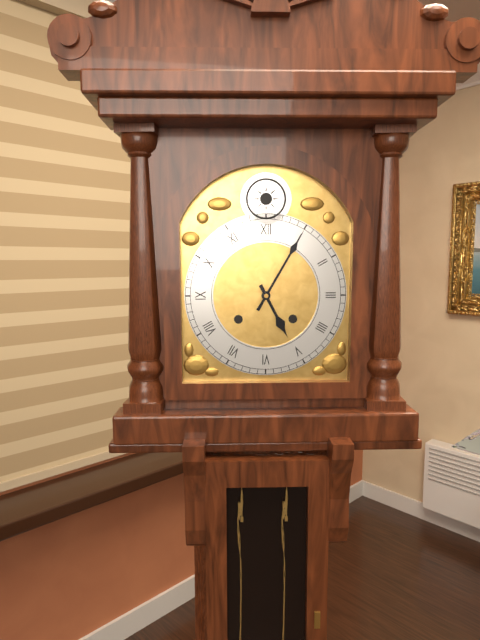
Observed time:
{"hour": 5, "minute": 5}
